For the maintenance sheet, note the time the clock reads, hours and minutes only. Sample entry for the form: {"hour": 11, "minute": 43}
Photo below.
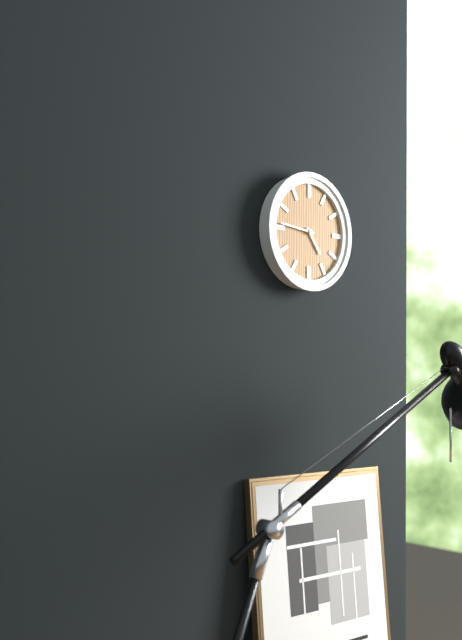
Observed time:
{"hour": 4, "minute": 46}
